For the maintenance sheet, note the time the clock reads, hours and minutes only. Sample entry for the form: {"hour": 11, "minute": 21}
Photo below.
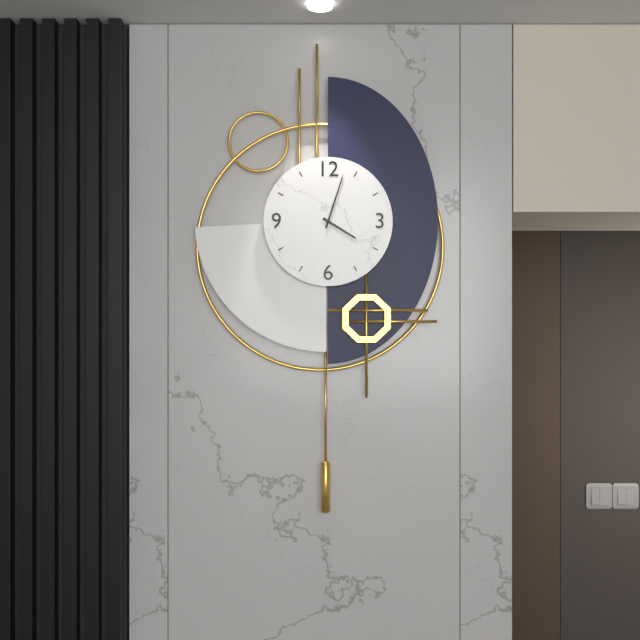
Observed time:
{"hour": 4, "minute": 3}
